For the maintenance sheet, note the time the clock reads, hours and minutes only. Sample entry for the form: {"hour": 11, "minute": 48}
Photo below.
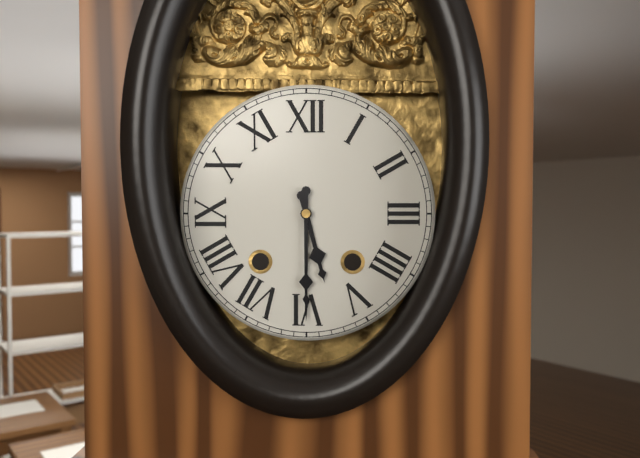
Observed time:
{"hour": 5, "minute": 30}
